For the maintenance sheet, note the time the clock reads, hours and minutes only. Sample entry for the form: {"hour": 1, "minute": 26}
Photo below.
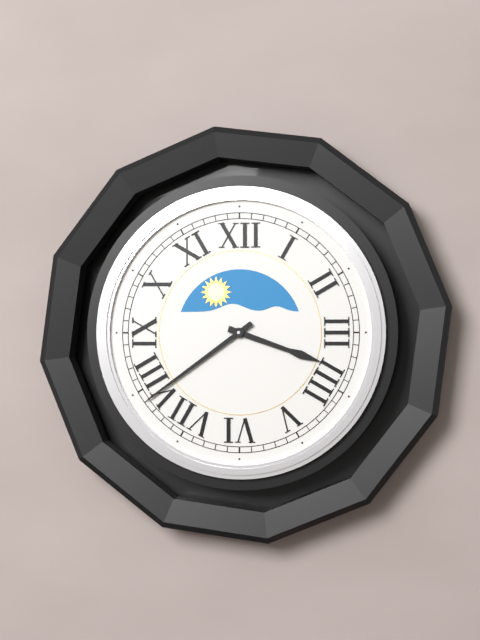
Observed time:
{"hour": 3, "minute": 39}
